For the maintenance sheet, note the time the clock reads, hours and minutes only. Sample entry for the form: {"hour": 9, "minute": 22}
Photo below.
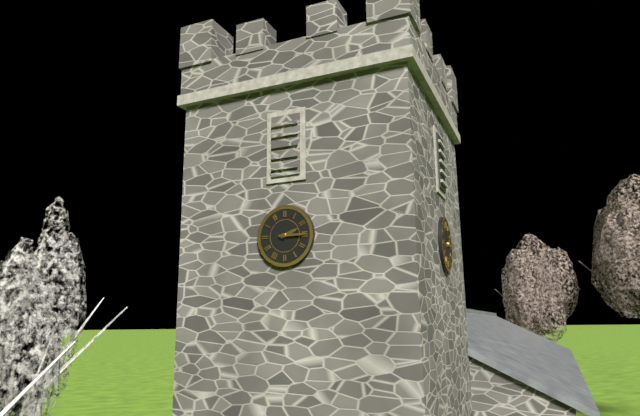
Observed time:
{"hour": 2, "minute": 15}
